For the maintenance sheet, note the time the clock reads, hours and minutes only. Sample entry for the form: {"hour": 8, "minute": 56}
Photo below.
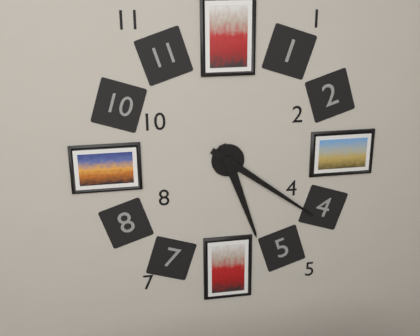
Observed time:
{"hour": 5, "minute": 21}
